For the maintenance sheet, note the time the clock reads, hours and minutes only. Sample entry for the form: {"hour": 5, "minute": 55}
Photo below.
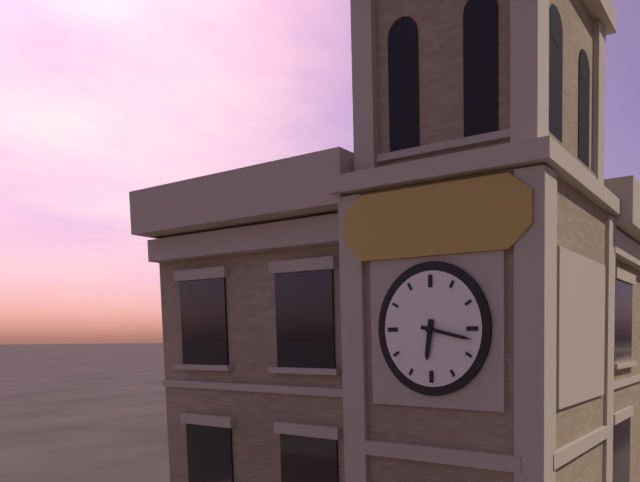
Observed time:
{"hour": 6, "minute": 17}
